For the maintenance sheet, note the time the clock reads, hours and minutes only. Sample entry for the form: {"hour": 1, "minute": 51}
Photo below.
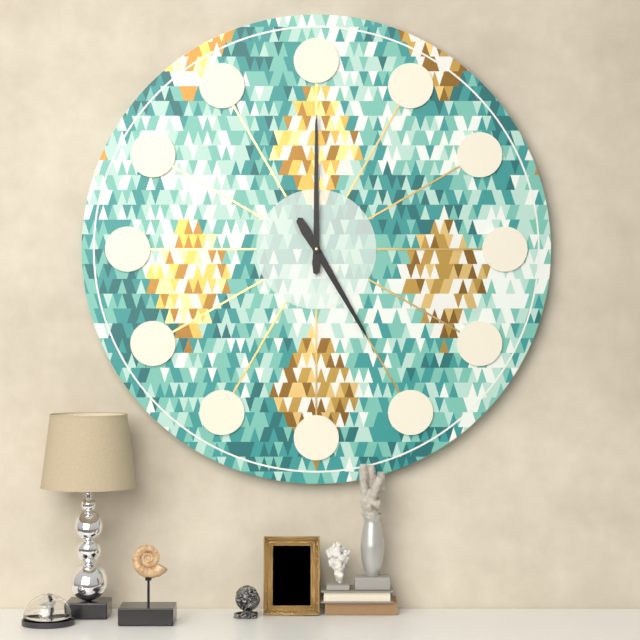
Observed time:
{"hour": 5, "minute": 0}
